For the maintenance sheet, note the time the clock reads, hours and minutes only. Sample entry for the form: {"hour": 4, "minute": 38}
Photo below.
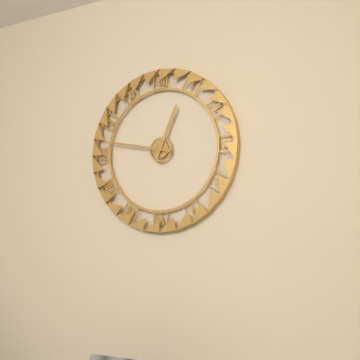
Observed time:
{"hour": 12, "minute": 47}
